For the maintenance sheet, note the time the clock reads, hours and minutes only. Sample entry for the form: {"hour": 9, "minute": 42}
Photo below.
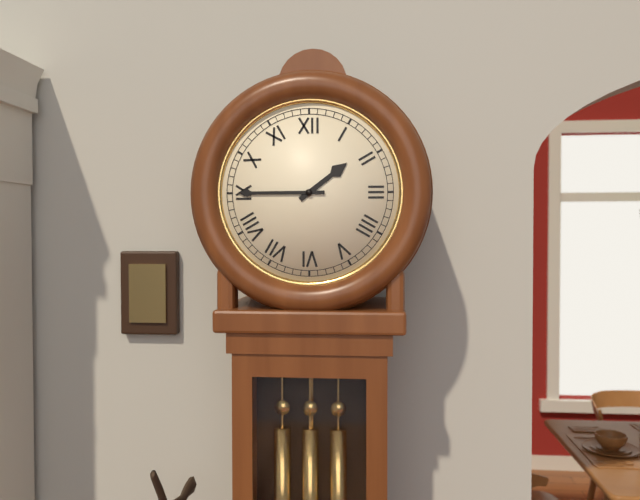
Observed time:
{"hour": 1, "minute": 45}
